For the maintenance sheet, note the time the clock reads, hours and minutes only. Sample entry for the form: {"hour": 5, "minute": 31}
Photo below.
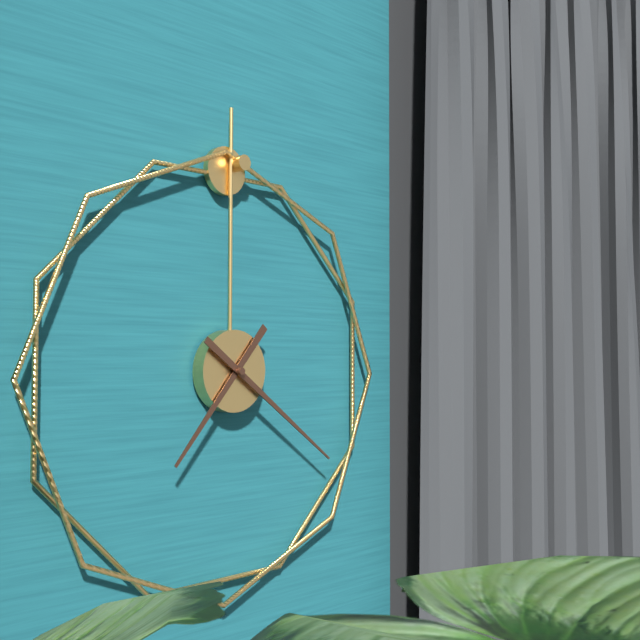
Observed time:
{"hour": 7, "minute": 21}
